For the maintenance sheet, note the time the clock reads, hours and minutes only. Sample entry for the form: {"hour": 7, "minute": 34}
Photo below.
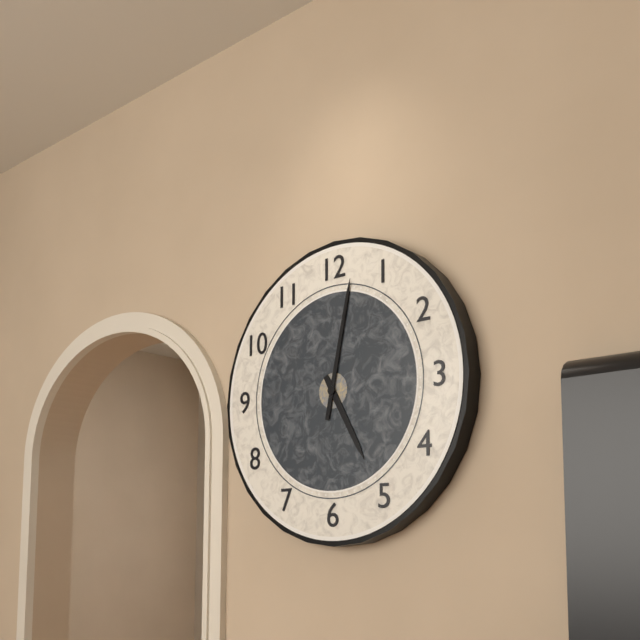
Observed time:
{"hour": 5, "minute": 2}
